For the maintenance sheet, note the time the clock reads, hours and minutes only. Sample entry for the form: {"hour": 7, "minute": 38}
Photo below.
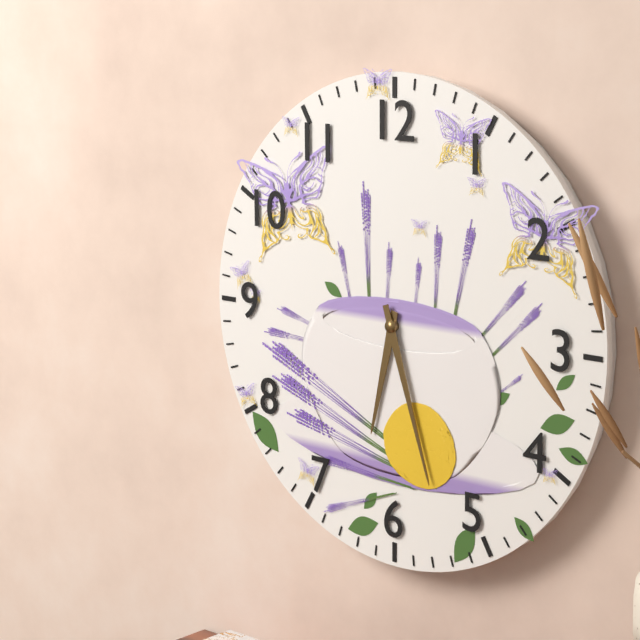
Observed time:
{"hour": 6, "minute": 27}
